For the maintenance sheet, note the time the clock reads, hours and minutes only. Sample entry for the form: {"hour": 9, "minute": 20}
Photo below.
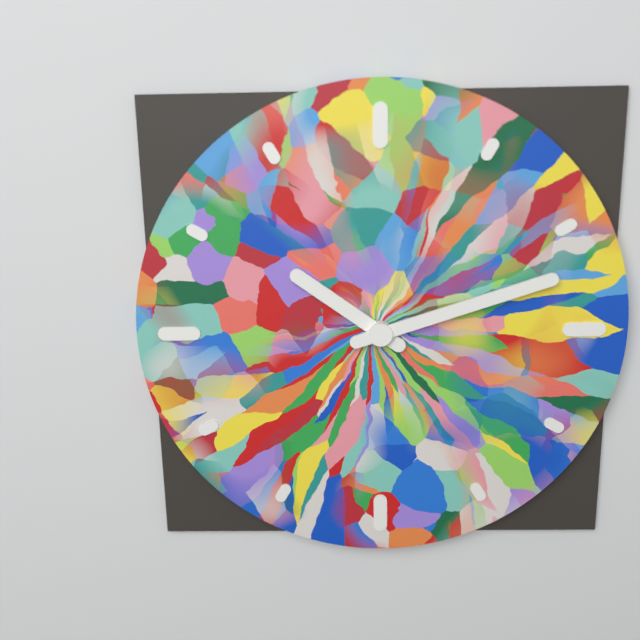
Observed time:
{"hour": 10, "minute": 12}
